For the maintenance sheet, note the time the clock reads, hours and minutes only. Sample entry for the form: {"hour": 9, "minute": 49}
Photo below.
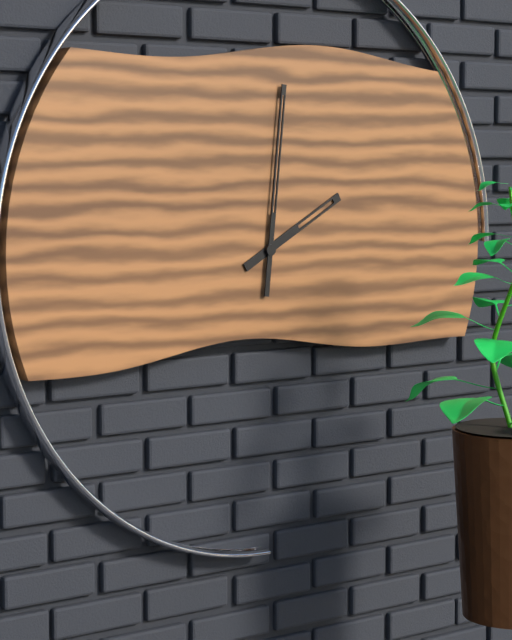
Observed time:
{"hour": 2, "minute": 1}
